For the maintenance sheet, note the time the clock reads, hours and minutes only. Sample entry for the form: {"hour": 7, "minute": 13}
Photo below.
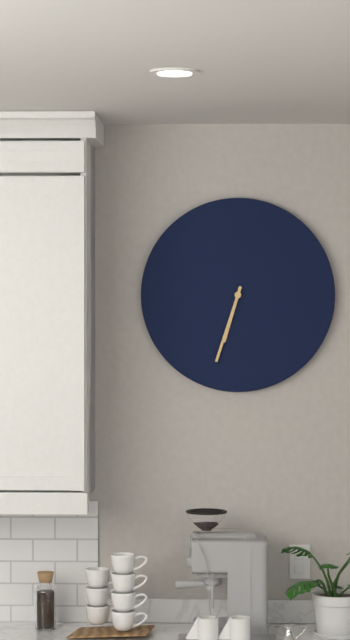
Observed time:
{"hour": 6, "minute": 33}
